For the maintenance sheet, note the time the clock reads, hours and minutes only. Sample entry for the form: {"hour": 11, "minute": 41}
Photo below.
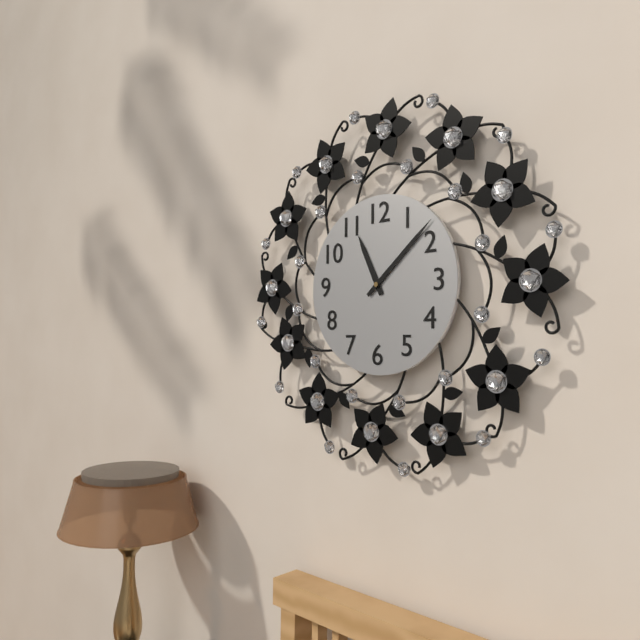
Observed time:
{"hour": 11, "minute": 8}
